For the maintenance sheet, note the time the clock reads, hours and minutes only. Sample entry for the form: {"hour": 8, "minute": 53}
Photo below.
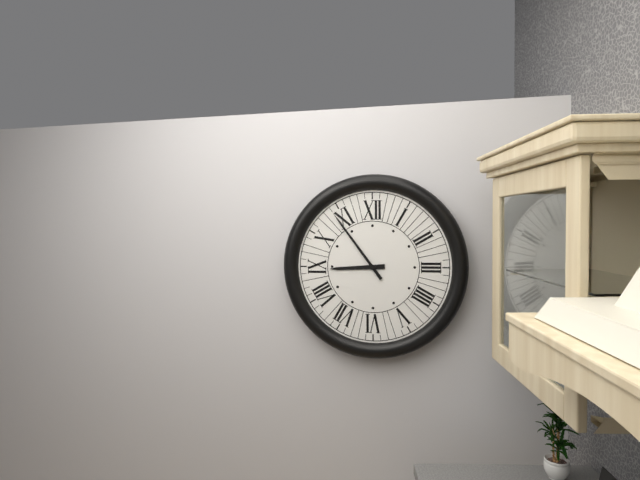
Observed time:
{"hour": 8, "minute": 54}
